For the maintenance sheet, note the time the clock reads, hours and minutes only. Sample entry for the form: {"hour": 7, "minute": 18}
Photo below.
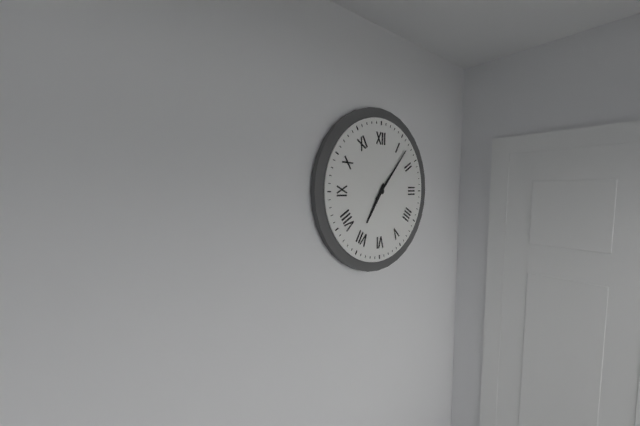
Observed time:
{"hour": 7, "minute": 7}
